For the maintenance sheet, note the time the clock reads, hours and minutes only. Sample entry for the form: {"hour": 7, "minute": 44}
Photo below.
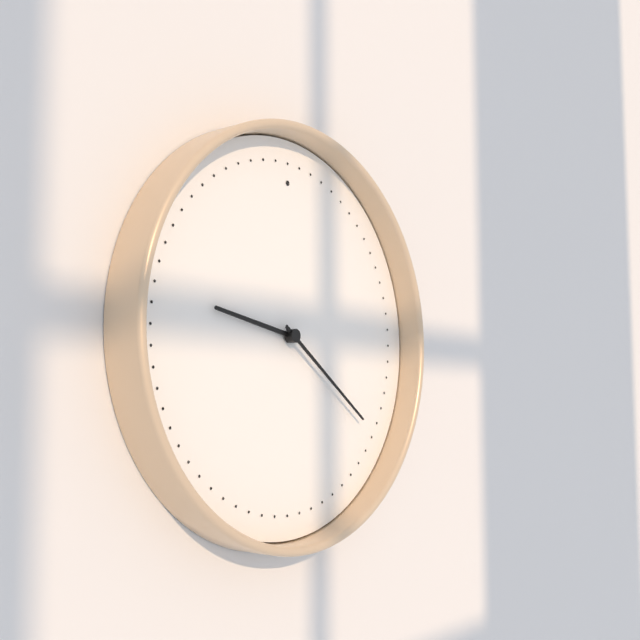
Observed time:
{"hour": 9, "minute": 21}
